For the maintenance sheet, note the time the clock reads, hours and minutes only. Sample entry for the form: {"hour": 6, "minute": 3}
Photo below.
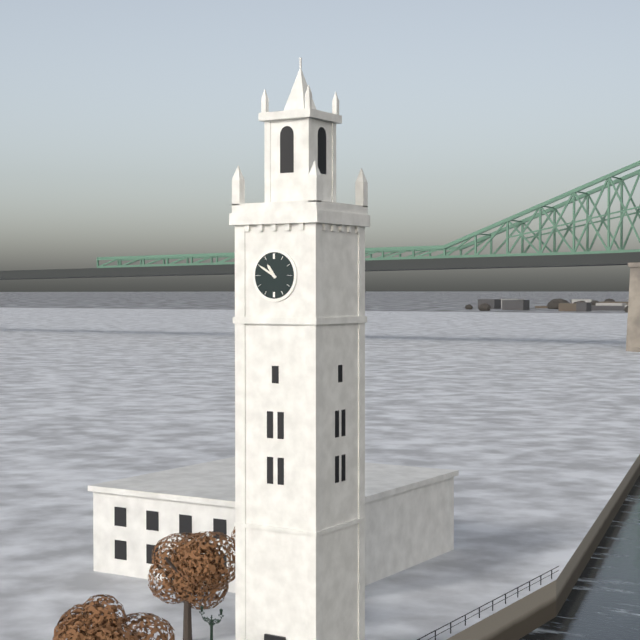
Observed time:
{"hour": 10, "minute": 50}
